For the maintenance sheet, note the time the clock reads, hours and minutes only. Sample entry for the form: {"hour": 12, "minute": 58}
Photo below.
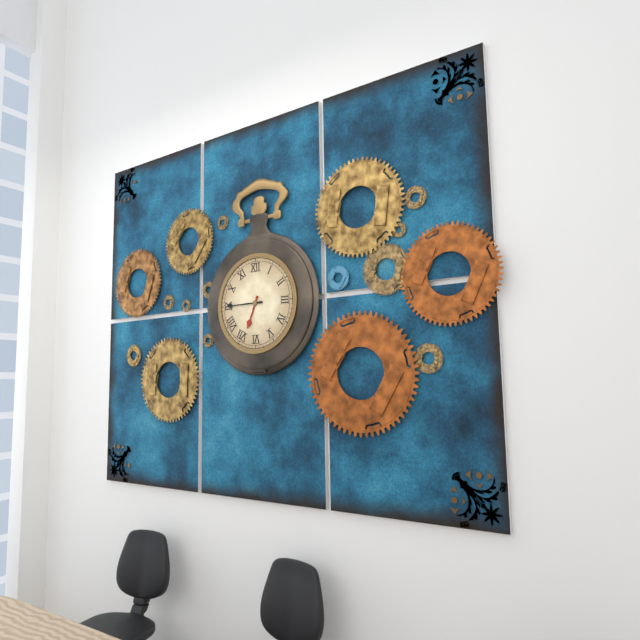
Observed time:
{"hour": 6, "minute": 45}
